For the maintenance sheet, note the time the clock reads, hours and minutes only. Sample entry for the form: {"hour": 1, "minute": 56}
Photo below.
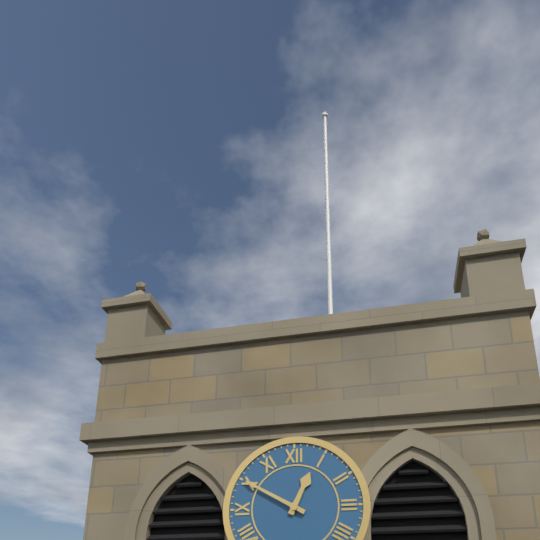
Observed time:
{"hour": 12, "minute": 50}
